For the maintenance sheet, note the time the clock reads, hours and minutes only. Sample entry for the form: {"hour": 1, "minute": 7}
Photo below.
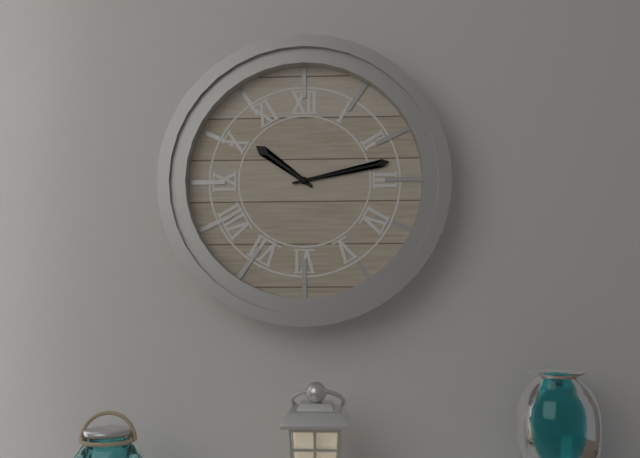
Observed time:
{"hour": 10, "minute": 13}
